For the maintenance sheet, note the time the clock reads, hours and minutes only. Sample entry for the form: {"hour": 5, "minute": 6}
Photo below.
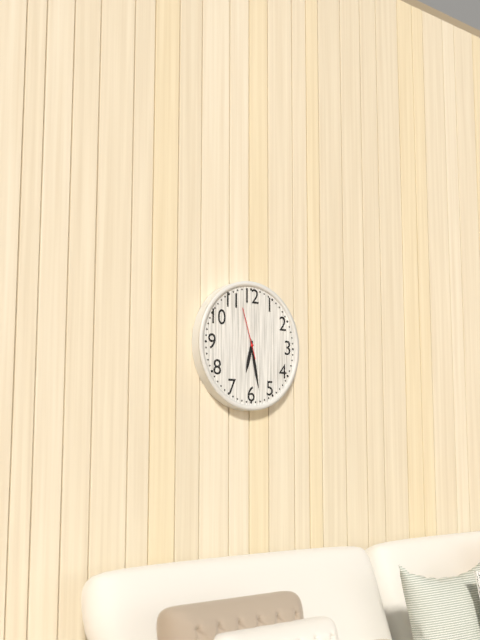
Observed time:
{"hour": 6, "minute": 28}
